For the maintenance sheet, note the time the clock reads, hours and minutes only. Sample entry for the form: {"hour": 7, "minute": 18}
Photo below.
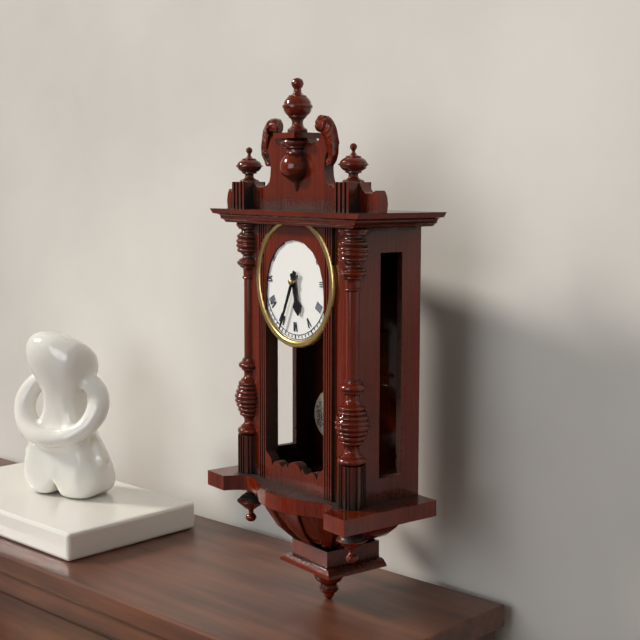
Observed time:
{"hour": 5, "minute": 34}
